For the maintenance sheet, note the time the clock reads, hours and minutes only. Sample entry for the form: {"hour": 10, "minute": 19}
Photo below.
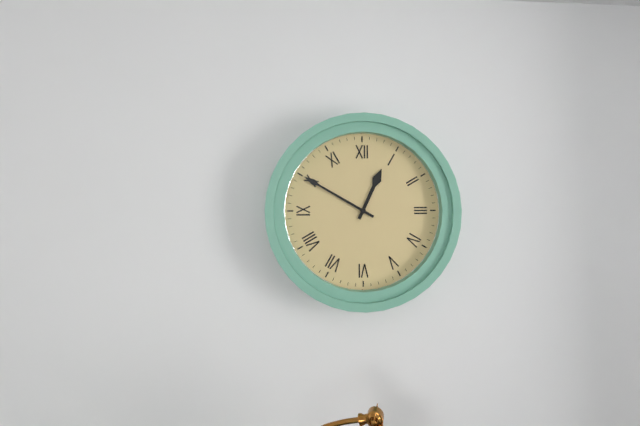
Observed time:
{"hour": 12, "minute": 50}
